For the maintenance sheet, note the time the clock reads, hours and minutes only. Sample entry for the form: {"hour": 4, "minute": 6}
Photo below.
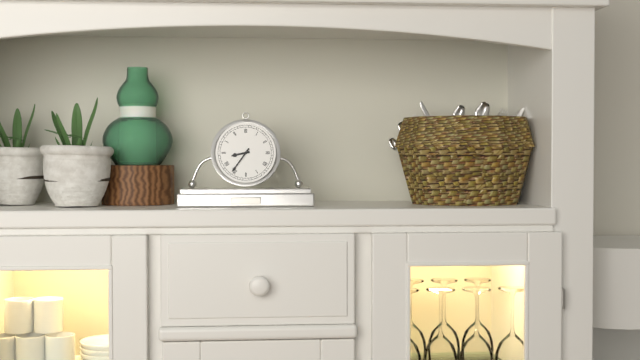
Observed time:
{"hour": 8, "minute": 36}
